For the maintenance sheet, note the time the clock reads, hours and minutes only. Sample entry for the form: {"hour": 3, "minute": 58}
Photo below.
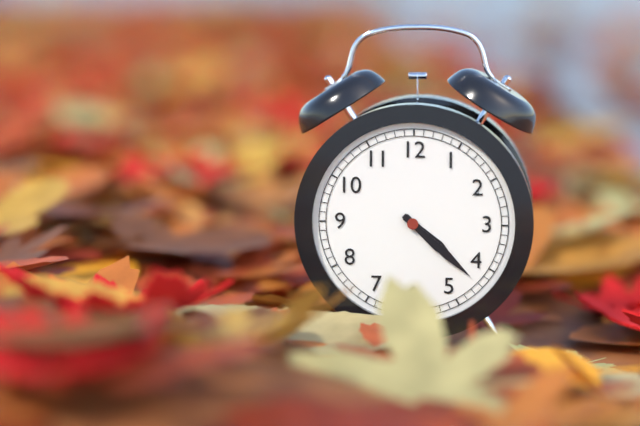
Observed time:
{"hour": 4, "minute": 22}
